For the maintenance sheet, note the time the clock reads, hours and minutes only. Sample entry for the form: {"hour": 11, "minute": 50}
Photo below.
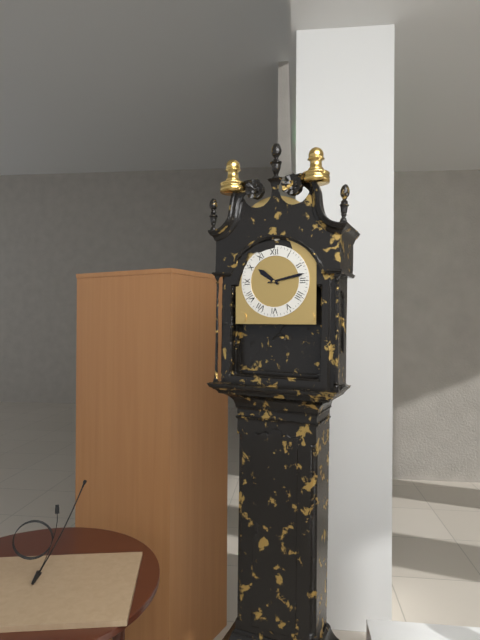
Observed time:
{"hour": 10, "minute": 13}
